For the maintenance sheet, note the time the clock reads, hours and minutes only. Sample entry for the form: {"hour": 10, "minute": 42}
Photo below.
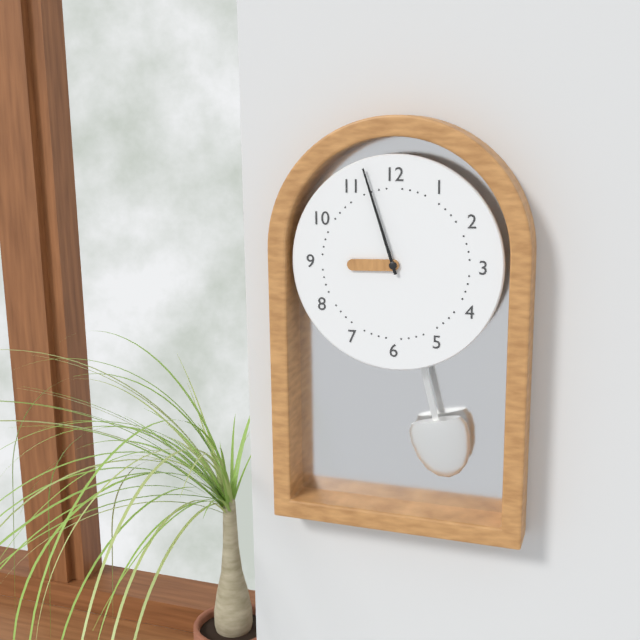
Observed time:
{"hour": 8, "minute": 57}
